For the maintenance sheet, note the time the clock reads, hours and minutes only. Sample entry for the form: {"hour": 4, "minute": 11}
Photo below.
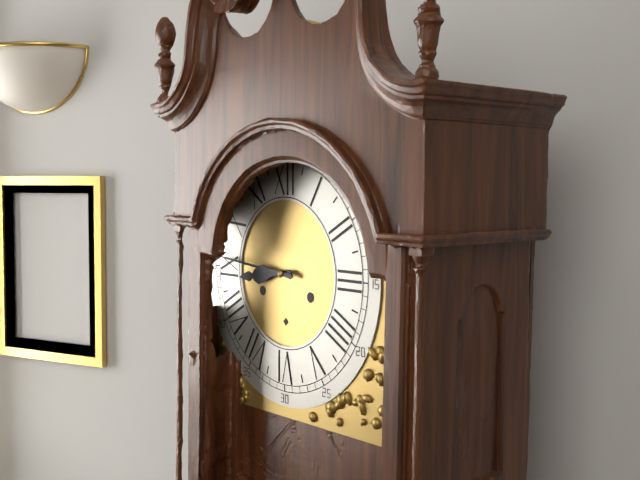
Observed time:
{"hour": 8, "minute": 46}
